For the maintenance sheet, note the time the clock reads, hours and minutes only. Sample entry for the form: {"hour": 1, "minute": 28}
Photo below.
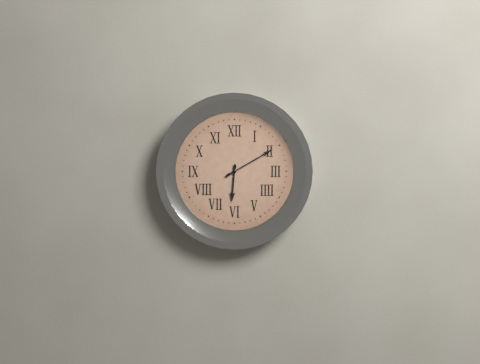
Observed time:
{"hour": 6, "minute": 10}
